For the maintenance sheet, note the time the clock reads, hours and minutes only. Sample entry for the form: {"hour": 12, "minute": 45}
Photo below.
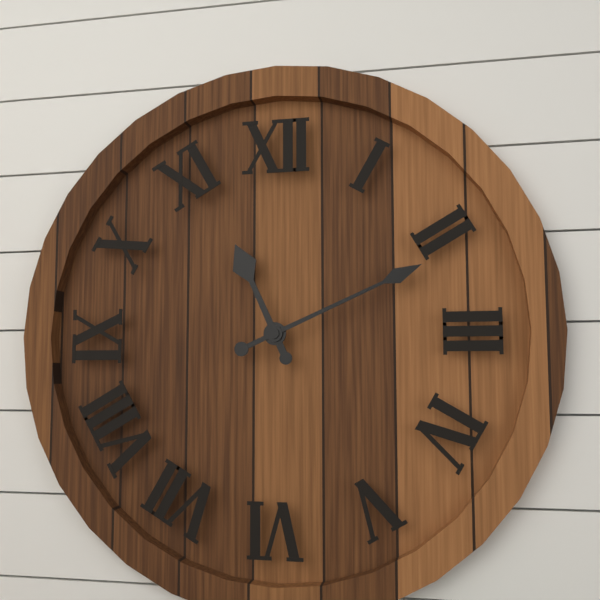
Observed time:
{"hour": 11, "minute": 11}
